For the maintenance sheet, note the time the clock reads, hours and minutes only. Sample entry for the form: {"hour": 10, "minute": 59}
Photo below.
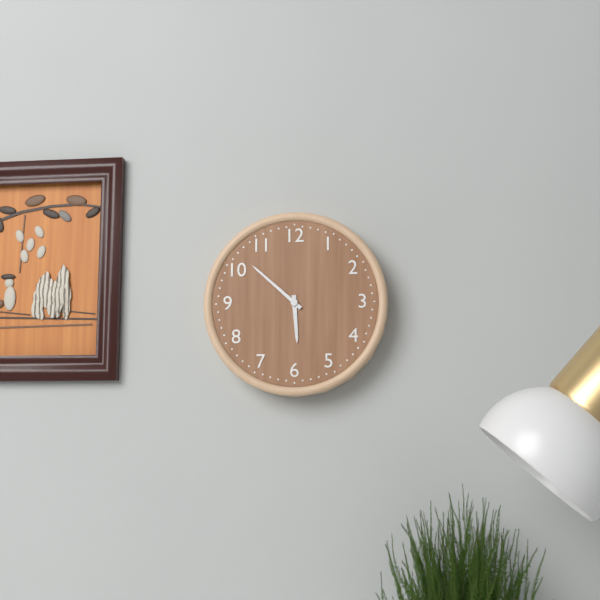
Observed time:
{"hour": 5, "minute": 52}
